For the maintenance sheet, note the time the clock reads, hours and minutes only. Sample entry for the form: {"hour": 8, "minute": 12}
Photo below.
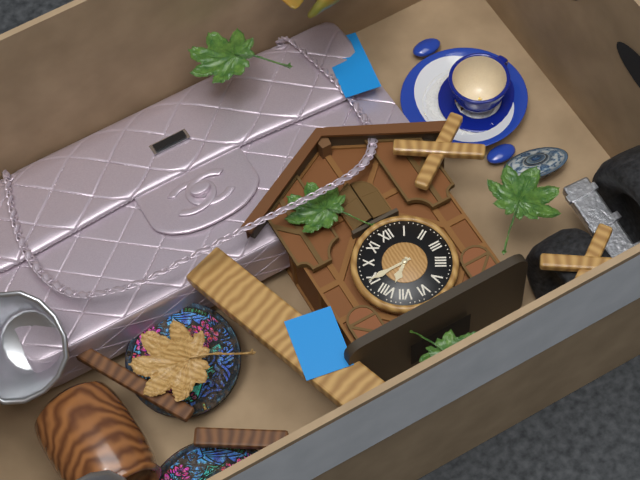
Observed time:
{"hour": 7, "minute": 45}
